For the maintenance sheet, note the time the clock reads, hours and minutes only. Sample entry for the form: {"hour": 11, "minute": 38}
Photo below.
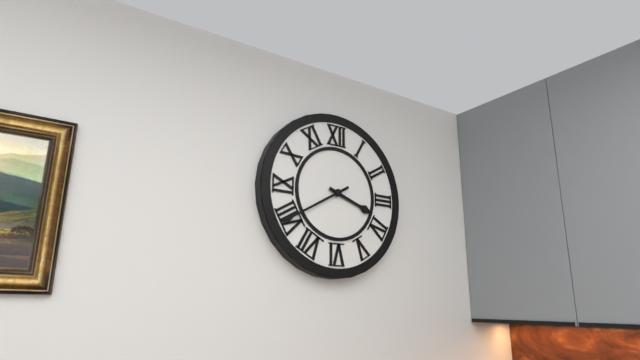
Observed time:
{"hour": 3, "minute": 40}
